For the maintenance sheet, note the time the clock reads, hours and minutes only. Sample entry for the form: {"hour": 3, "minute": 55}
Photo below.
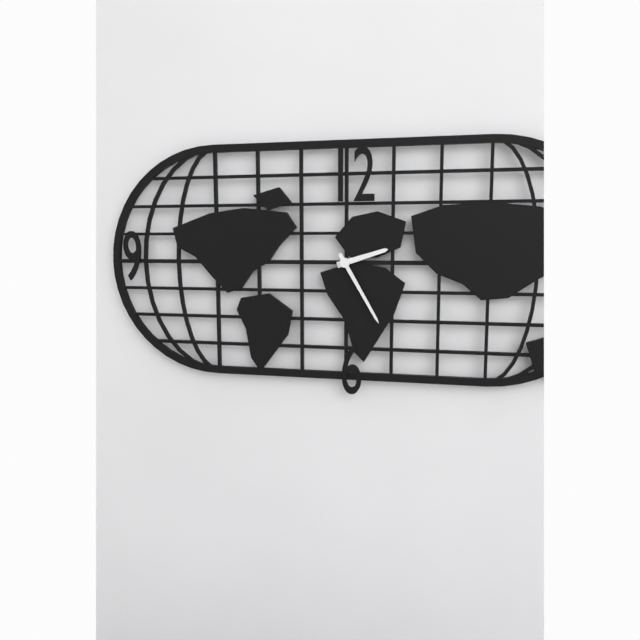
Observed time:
{"hour": 2, "minute": 25}
